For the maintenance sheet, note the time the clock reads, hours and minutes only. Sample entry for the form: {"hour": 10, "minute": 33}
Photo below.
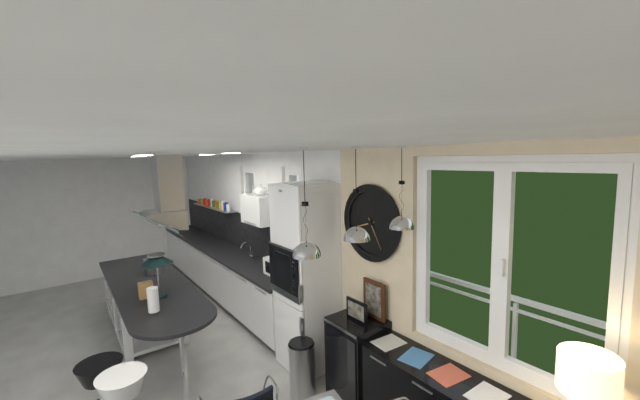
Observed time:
{"hour": 8, "minute": 25}
